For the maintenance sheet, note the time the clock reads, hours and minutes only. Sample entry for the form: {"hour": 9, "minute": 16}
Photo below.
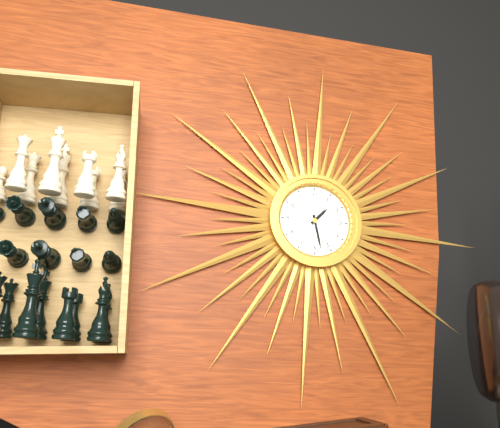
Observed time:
{"hour": 1, "minute": 28}
